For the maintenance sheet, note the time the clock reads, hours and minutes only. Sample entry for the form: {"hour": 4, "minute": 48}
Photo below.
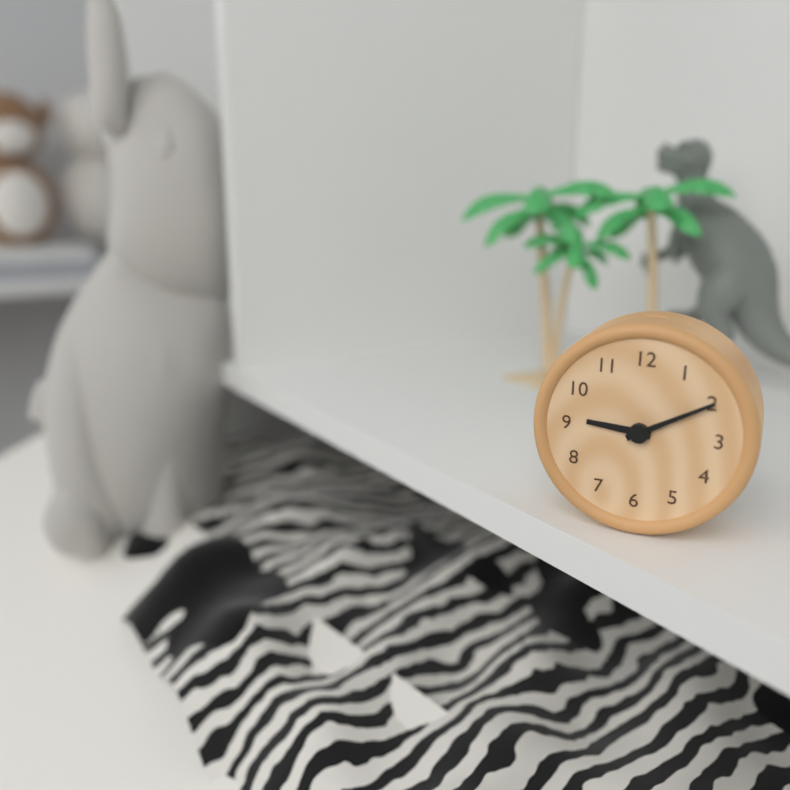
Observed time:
{"hour": 9, "minute": 10}
